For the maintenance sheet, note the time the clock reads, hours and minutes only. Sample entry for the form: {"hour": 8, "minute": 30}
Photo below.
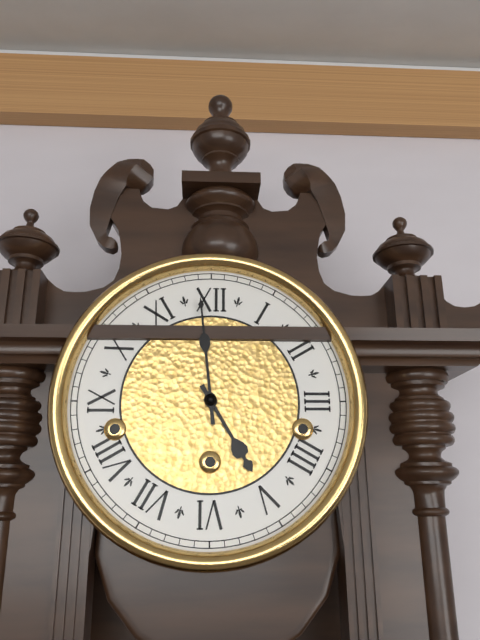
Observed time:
{"hour": 4, "minute": 59}
